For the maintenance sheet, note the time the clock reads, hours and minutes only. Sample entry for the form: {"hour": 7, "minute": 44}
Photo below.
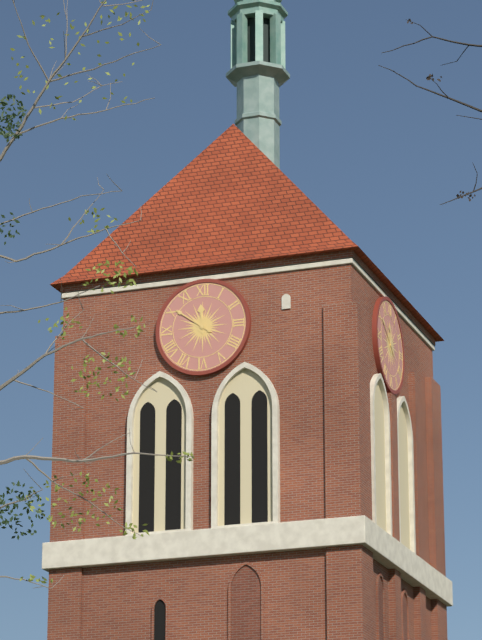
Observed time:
{"hour": 11, "minute": 51}
